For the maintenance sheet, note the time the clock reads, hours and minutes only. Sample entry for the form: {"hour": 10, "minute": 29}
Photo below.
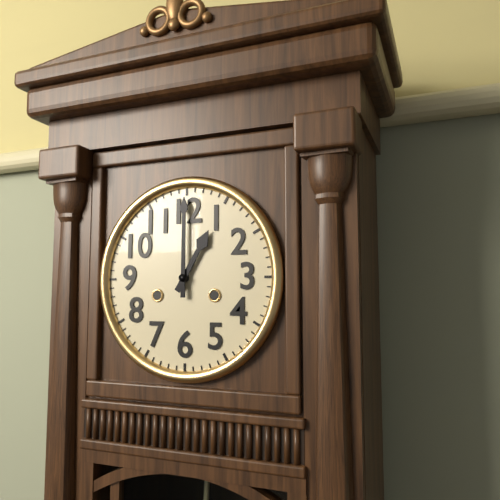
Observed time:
{"hour": 1, "minute": 0}
